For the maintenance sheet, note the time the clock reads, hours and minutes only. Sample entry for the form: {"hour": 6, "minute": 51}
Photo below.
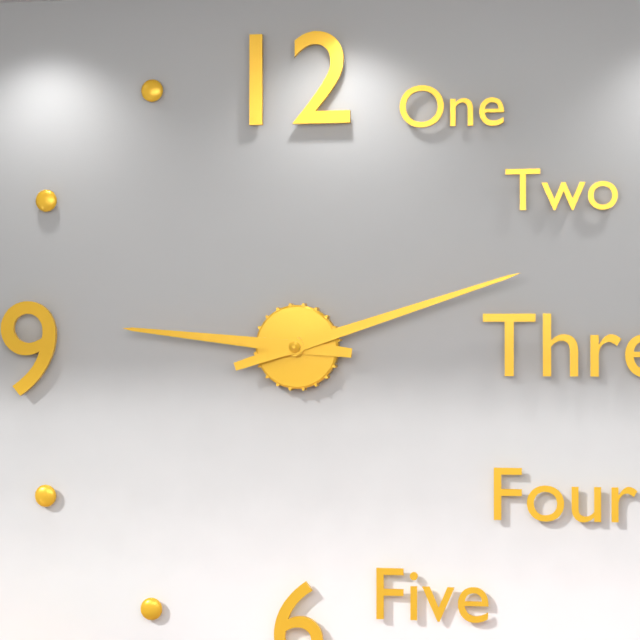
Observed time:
{"hour": 9, "minute": 12}
